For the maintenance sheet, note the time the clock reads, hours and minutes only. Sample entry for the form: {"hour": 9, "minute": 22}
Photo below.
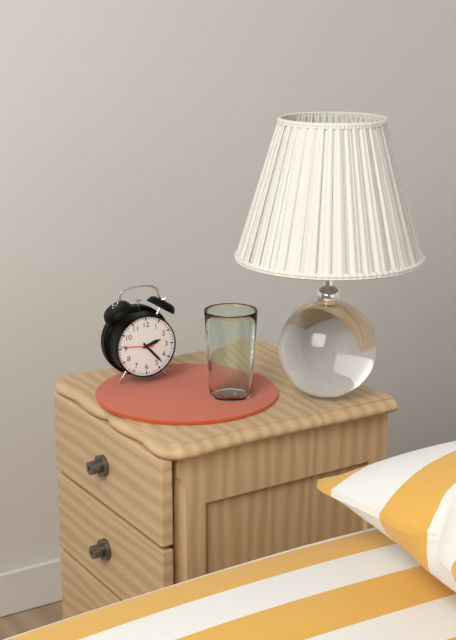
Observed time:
{"hour": 2, "minute": 23}
